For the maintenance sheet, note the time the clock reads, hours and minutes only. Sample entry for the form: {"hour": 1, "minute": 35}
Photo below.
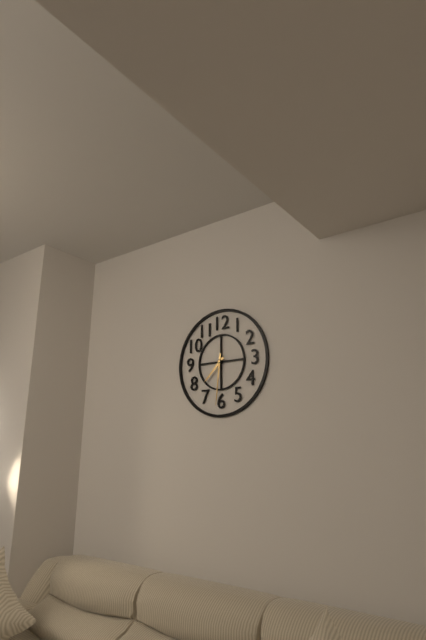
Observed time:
{"hour": 7, "minute": 31}
